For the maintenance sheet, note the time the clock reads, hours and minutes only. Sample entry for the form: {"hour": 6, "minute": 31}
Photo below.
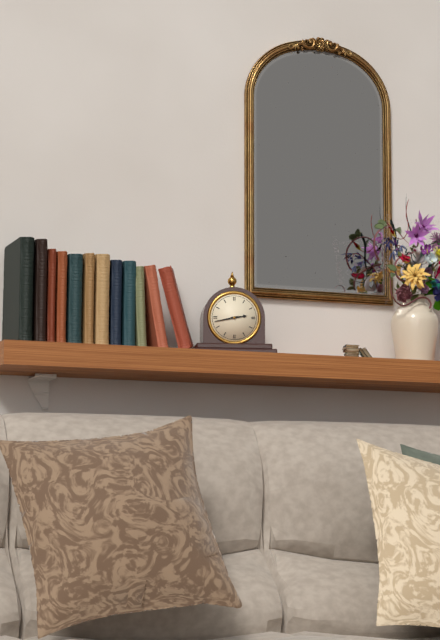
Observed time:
{"hour": 2, "minute": 43}
